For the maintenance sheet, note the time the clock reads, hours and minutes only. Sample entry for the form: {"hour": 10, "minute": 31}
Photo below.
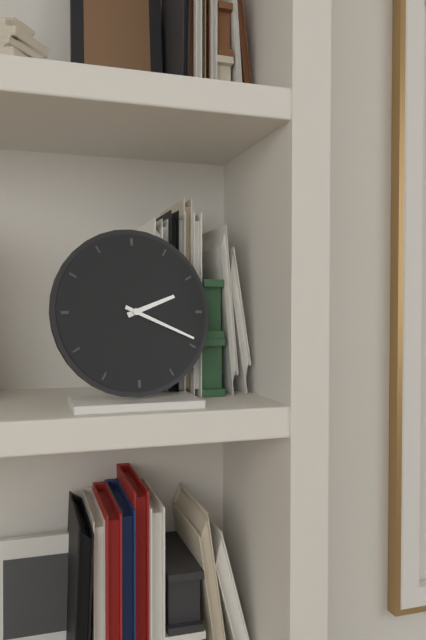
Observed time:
{"hour": 2, "minute": 19}
